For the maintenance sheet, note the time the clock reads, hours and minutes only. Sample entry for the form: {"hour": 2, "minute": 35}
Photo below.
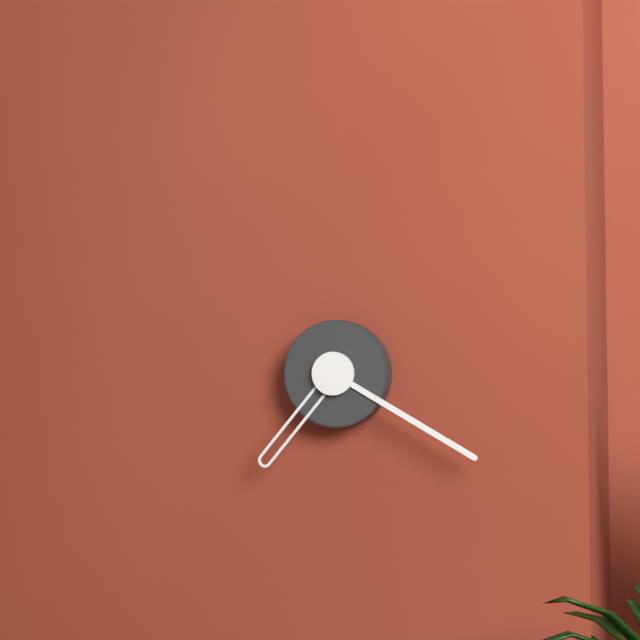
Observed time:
{"hour": 7, "minute": 20}
